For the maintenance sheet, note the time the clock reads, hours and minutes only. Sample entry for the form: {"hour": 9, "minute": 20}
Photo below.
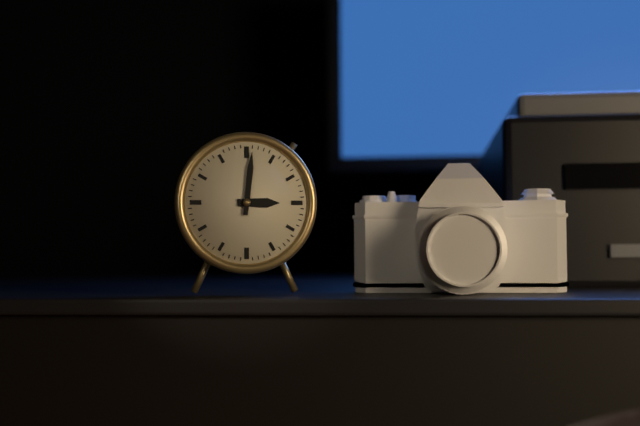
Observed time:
{"hour": 3, "minute": 1}
